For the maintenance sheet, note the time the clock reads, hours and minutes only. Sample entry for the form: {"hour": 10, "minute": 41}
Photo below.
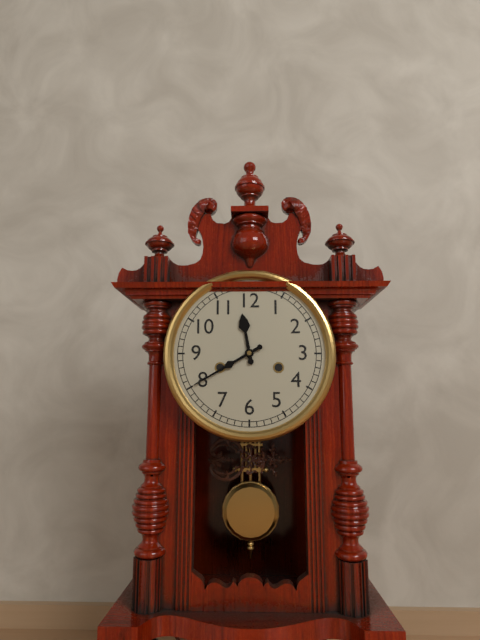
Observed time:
{"hour": 11, "minute": 40}
